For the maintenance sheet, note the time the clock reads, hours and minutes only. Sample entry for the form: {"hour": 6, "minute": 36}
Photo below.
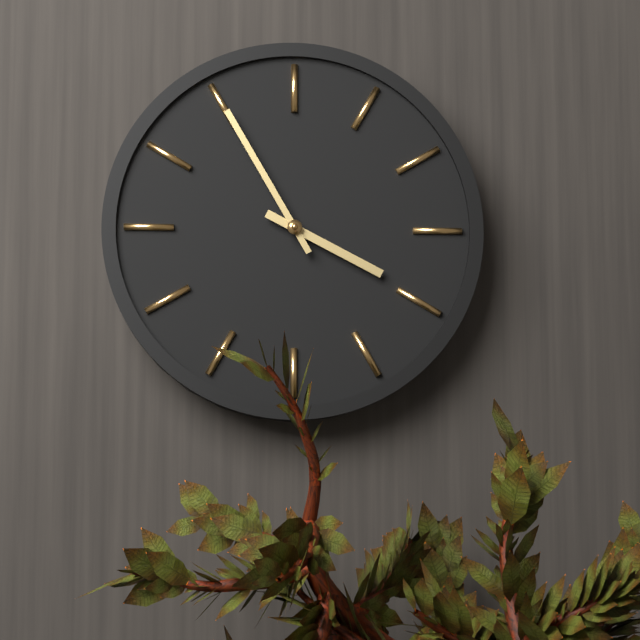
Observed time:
{"hour": 3, "minute": 55}
